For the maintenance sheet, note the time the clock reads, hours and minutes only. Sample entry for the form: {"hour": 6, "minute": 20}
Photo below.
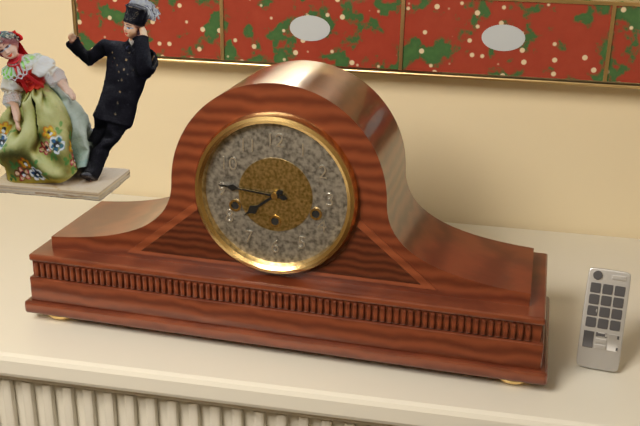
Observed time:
{"hour": 7, "minute": 46}
